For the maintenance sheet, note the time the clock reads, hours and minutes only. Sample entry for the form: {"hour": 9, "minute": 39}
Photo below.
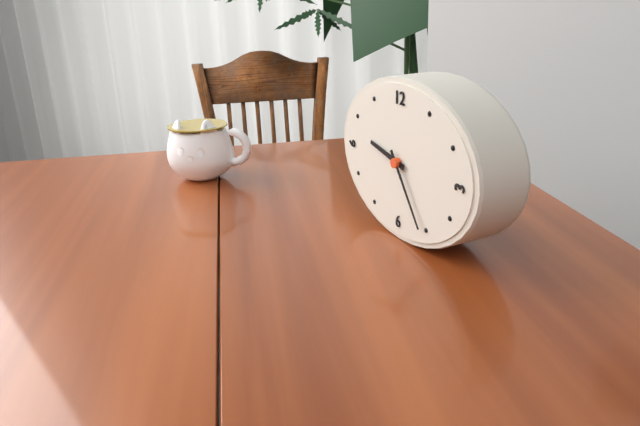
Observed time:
{"hour": 9, "minute": 24}
